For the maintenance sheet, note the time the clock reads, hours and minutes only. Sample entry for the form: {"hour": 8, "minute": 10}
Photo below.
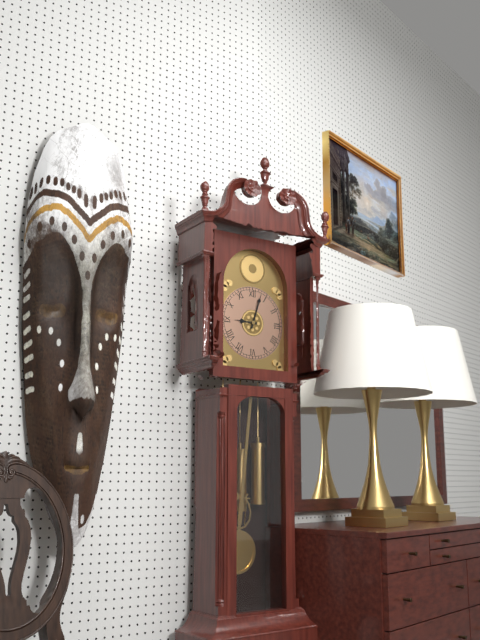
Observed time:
{"hour": 9, "minute": 3}
